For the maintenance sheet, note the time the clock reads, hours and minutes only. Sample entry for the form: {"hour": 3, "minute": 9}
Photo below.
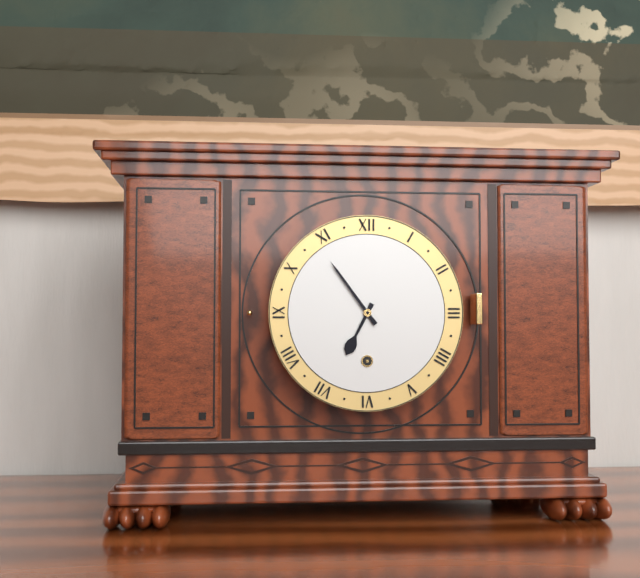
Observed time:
{"hour": 6, "minute": 54}
